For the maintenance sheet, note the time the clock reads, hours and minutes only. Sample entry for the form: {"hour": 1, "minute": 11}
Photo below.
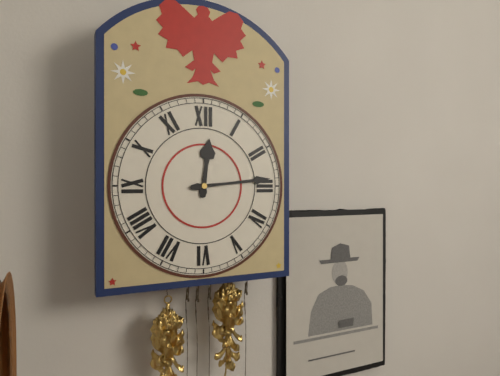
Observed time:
{"hour": 12, "minute": 14}
